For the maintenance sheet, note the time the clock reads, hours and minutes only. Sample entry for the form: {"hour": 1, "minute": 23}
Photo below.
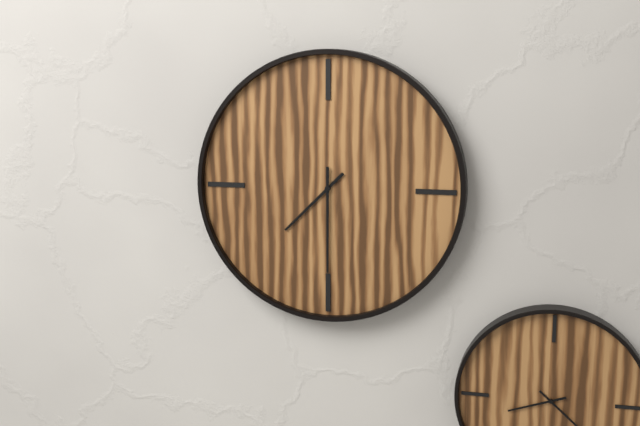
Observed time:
{"hour": 7, "minute": 30}
